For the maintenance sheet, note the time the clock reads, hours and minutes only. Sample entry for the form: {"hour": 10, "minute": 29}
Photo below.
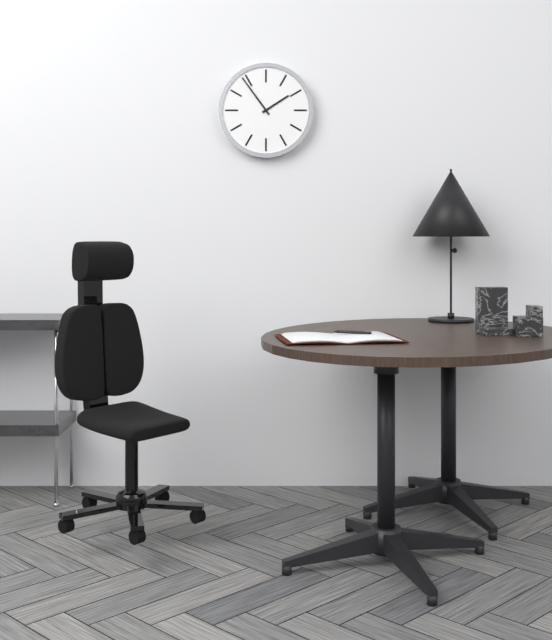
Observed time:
{"hour": 1, "minute": 54}
